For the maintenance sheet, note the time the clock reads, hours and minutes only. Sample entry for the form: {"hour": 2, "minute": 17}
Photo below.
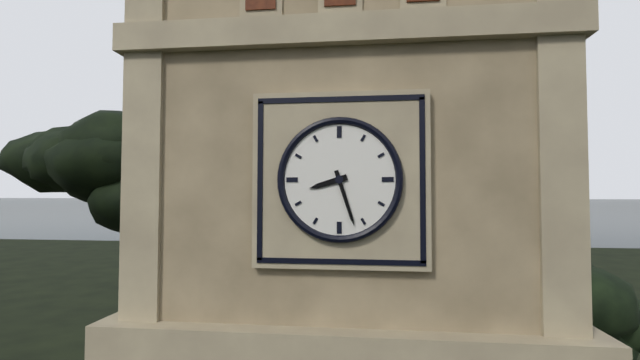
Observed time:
{"hour": 8, "minute": 27}
